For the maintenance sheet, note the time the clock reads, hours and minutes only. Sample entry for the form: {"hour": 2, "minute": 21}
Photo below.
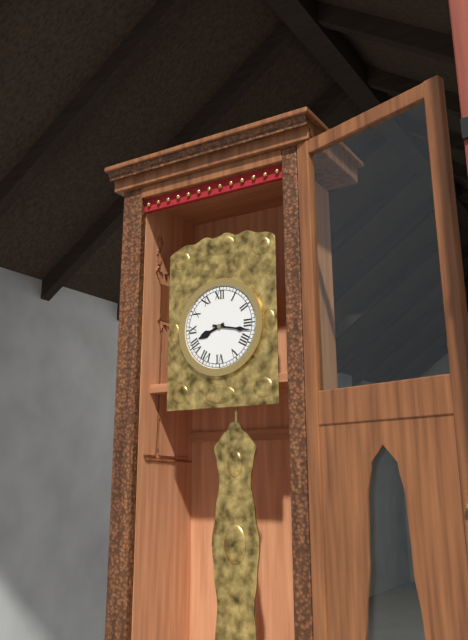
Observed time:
{"hour": 8, "minute": 17}
